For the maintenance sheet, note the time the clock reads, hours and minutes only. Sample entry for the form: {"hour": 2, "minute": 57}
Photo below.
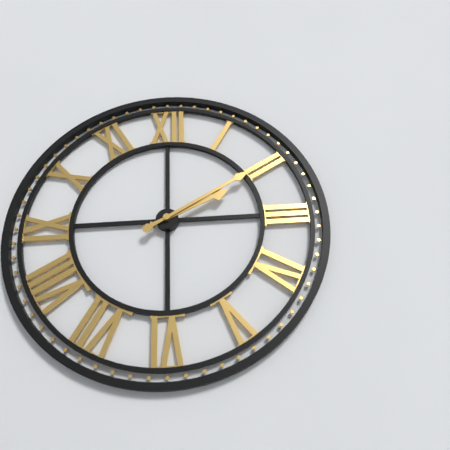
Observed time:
{"hour": 2, "minute": 10}
